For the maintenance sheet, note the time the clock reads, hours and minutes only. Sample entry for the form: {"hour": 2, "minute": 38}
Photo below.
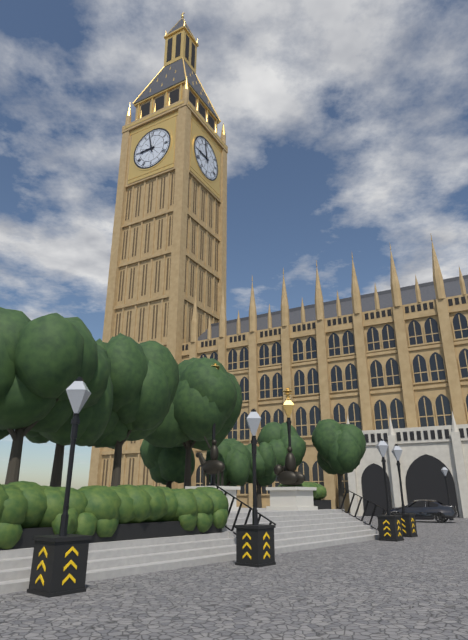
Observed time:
{"hour": 8, "minute": 58}
